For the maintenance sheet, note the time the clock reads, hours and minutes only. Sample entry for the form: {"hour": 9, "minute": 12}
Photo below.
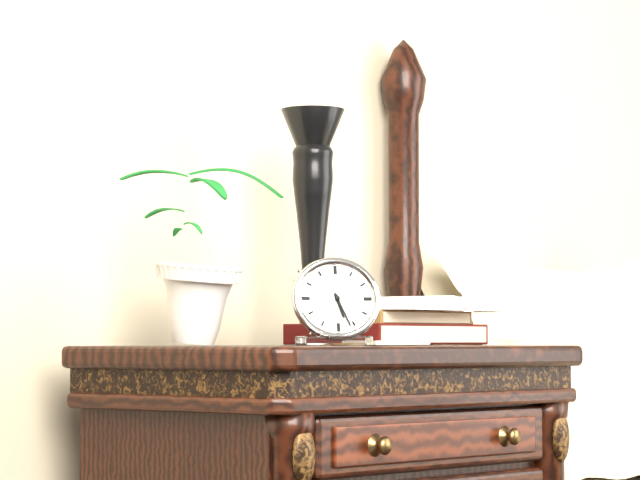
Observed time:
{"hour": 5, "minute": 26}
